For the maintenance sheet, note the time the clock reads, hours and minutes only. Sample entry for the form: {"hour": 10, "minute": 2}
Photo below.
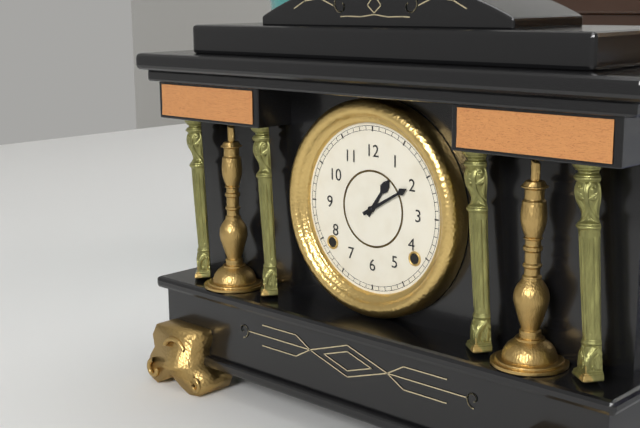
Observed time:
{"hour": 1, "minute": 10}
